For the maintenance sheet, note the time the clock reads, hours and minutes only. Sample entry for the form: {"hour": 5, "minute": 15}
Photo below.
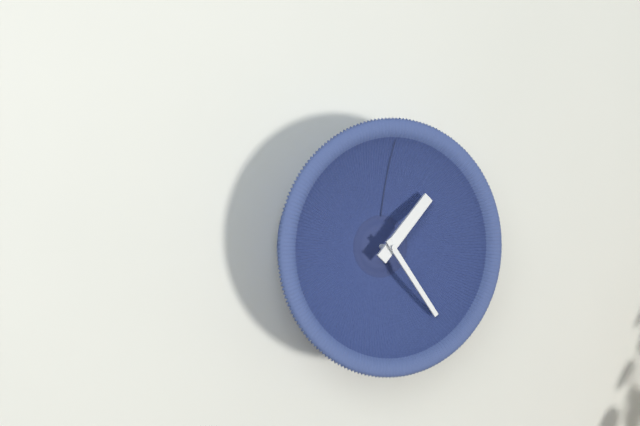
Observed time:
{"hour": 1, "minute": 24}
